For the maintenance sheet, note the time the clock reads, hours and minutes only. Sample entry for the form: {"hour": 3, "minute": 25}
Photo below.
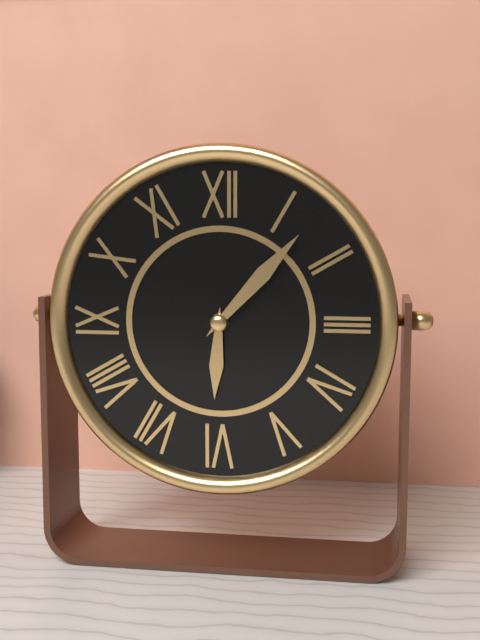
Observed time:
{"hour": 6, "minute": 7}
